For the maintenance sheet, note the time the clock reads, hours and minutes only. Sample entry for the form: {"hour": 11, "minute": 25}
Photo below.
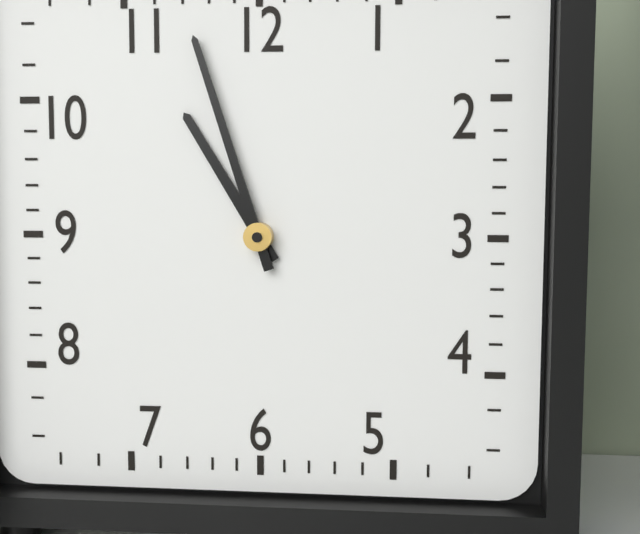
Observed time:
{"hour": 10, "minute": 57}
